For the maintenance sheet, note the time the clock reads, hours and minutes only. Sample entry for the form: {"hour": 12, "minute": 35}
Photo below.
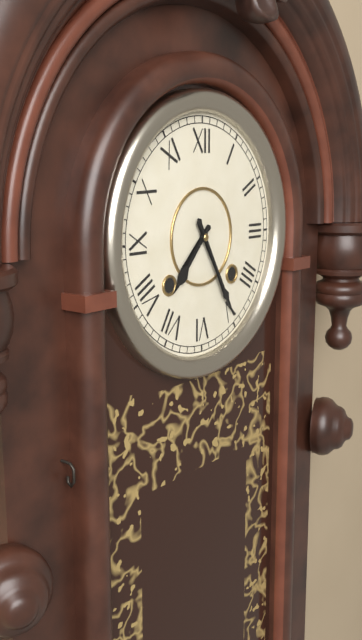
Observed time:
{"hour": 7, "minute": 25}
